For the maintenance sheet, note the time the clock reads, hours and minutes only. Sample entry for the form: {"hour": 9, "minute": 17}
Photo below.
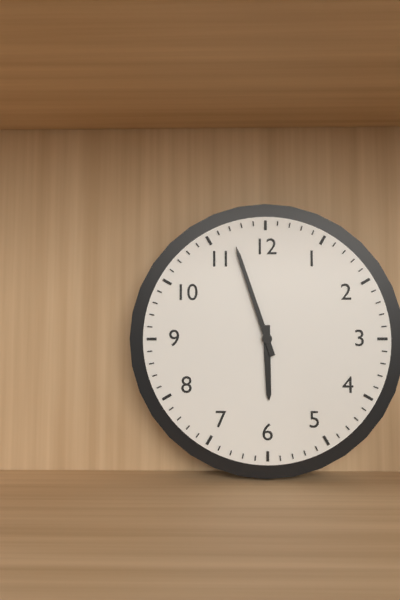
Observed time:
{"hour": 5, "minute": 57}
